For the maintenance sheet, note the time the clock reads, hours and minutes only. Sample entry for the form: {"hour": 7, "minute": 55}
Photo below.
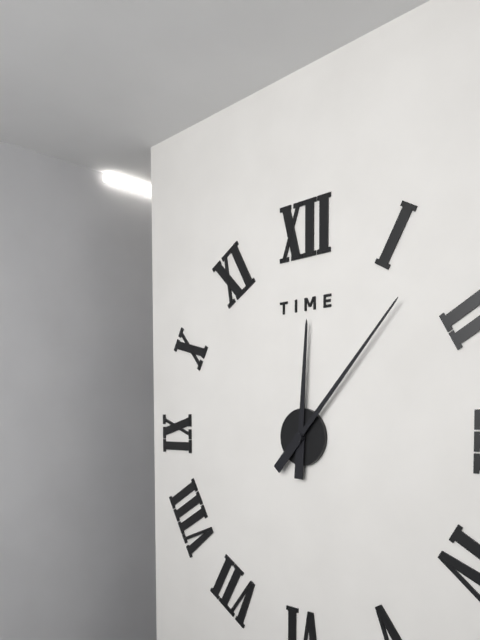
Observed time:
{"hour": 12, "minute": 7}
